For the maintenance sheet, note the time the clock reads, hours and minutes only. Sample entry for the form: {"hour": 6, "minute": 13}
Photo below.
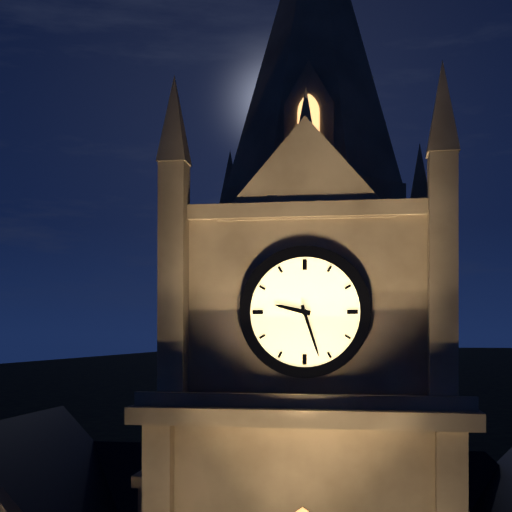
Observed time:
{"hour": 9, "minute": 27}
